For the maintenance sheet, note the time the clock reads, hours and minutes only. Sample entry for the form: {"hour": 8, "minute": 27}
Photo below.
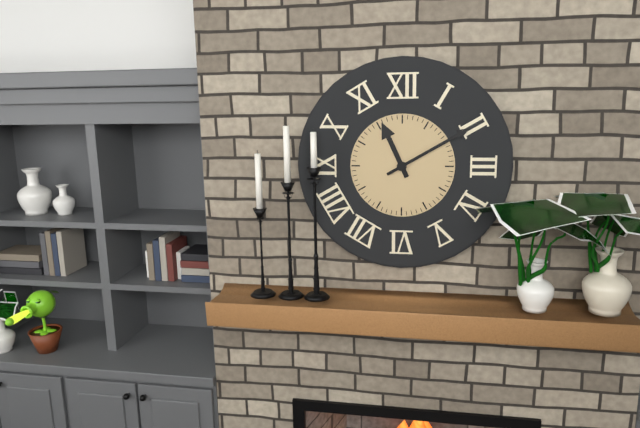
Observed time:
{"hour": 11, "minute": 10}
